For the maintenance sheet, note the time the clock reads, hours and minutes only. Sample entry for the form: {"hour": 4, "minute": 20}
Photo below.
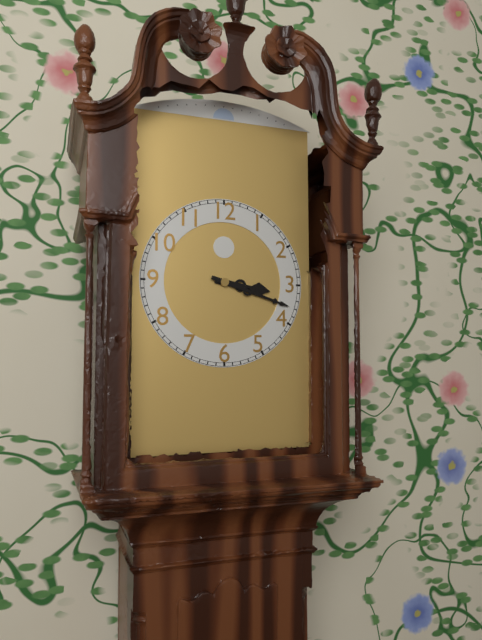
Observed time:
{"hour": 3, "minute": 18}
